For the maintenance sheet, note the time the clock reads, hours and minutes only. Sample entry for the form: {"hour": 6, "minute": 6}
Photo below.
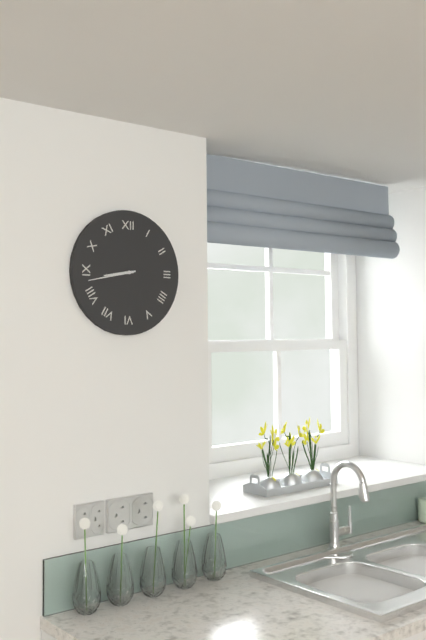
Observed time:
{"hour": 8, "minute": 43}
